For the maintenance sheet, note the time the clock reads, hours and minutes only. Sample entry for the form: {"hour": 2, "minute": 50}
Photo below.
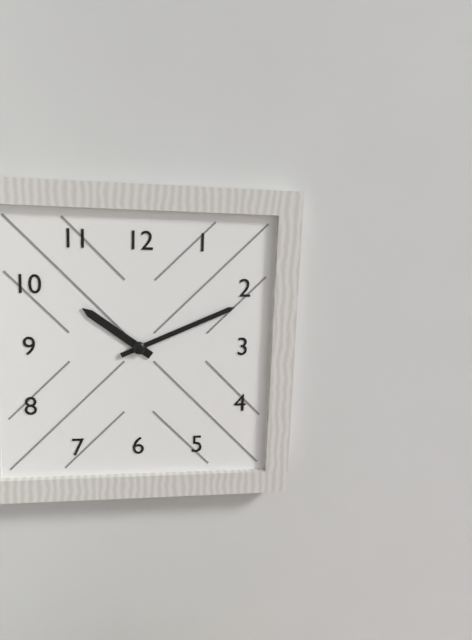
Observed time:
{"hour": 10, "minute": 11}
